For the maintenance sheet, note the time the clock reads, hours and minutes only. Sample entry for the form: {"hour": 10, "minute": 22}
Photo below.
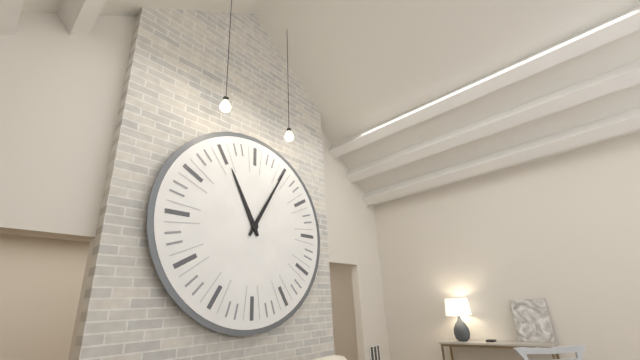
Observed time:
{"hour": 11, "minute": 5}
